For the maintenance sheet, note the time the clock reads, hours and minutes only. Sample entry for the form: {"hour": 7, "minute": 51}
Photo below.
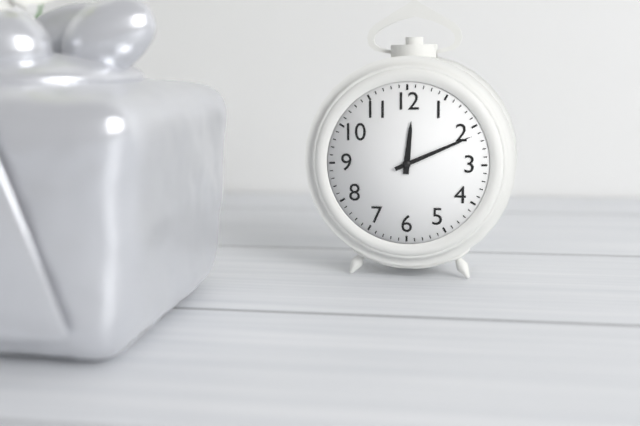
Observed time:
{"hour": 12, "minute": 11}
